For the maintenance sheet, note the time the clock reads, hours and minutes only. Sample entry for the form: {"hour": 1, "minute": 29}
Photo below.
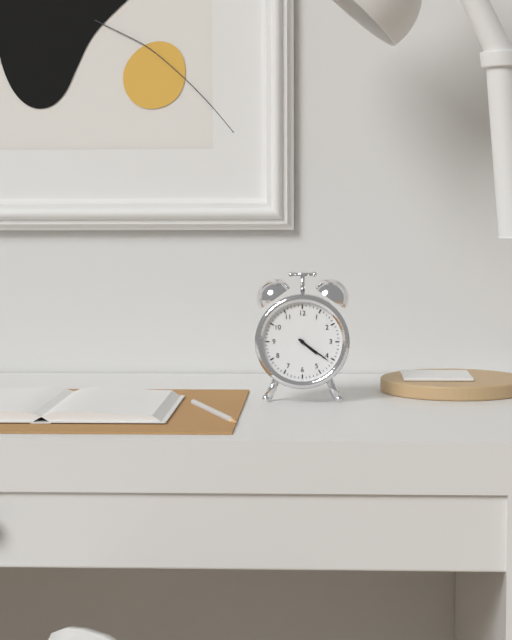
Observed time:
{"hour": 4, "minute": 21}
